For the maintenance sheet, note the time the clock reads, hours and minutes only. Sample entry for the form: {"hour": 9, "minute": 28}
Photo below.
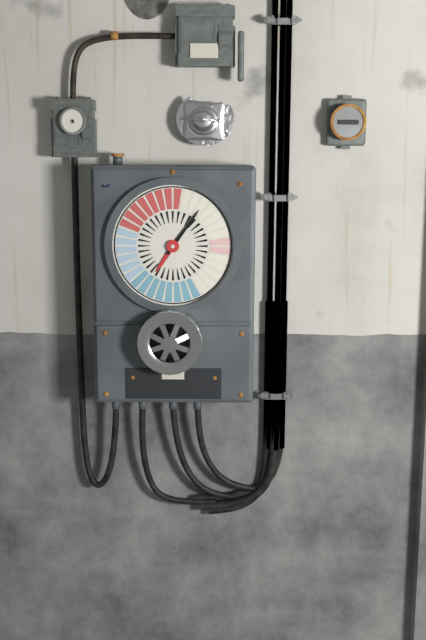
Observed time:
{"hour": 7, "minute": 6}
